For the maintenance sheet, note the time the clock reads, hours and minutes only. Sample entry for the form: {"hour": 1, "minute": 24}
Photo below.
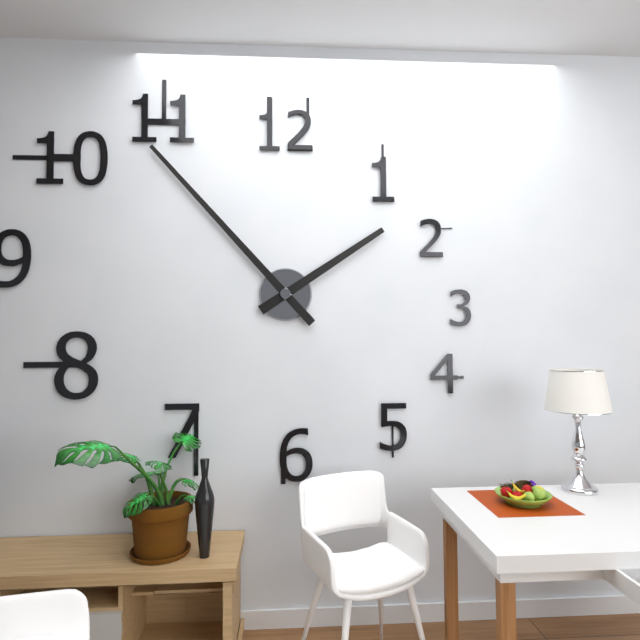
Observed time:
{"hour": 1, "minute": 53}
